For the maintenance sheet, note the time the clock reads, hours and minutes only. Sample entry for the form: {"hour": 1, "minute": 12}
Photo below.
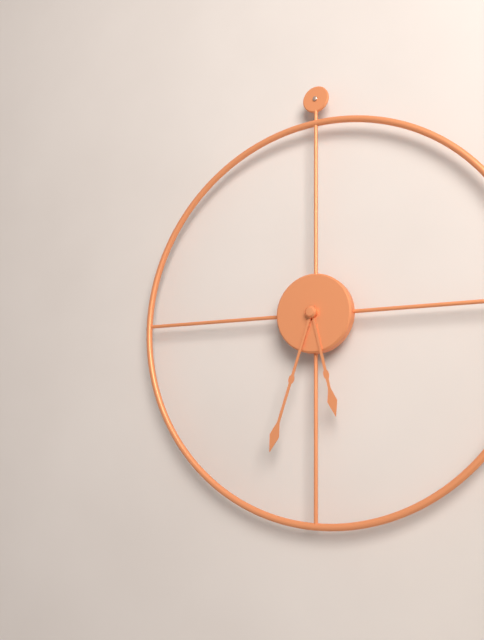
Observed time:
{"hour": 5, "minute": 33}
